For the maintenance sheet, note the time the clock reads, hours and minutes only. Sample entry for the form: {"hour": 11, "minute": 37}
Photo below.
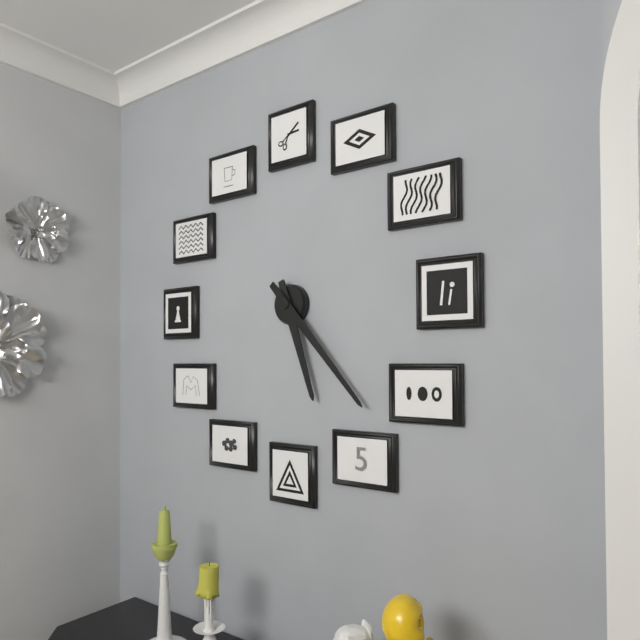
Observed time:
{"hour": 5, "minute": 23}
